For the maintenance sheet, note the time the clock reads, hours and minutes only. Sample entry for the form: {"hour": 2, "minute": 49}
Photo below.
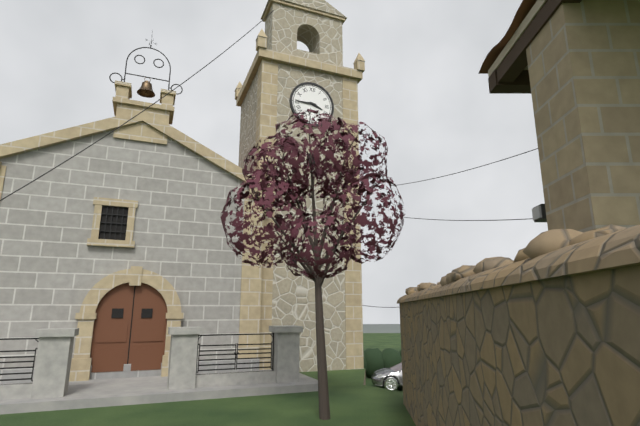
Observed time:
{"hour": 3, "minute": 45}
